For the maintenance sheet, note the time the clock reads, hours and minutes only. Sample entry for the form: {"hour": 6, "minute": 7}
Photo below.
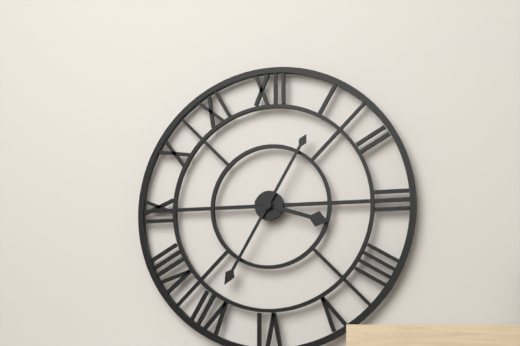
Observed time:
{"hour": 3, "minute": 35}
